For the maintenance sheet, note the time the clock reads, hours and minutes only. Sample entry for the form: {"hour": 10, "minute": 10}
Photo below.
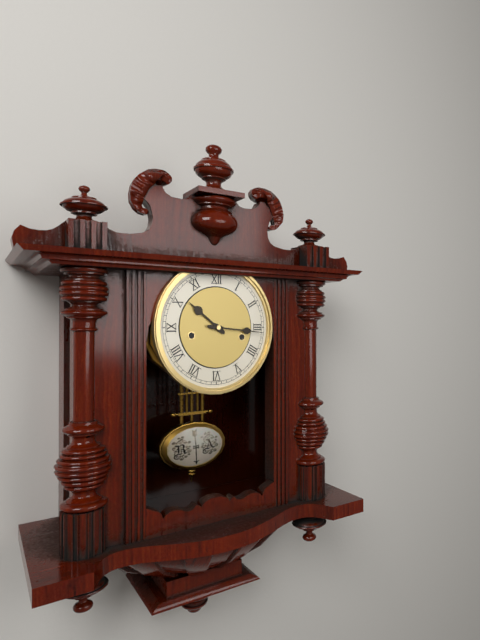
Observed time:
{"hour": 10, "minute": 16}
